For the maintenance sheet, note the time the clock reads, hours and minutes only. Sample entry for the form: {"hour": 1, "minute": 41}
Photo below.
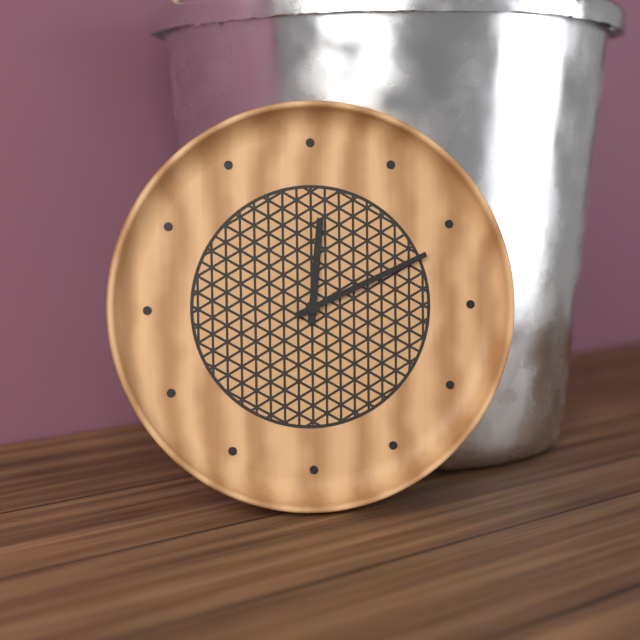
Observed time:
{"hour": 12, "minute": 11}
